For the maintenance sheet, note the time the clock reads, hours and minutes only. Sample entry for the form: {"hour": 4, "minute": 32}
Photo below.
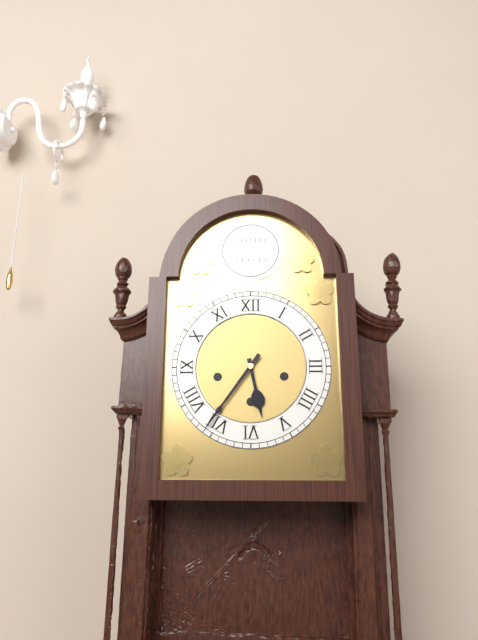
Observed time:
{"hour": 5, "minute": 36}
